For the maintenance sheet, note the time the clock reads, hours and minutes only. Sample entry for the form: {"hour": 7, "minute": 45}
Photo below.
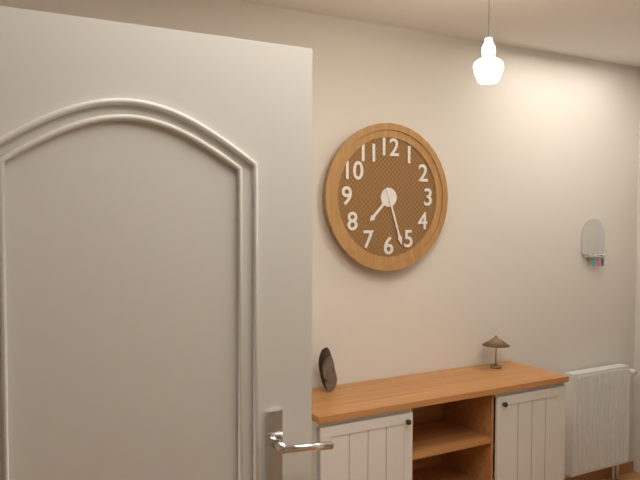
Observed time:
{"hour": 7, "minute": 27}
